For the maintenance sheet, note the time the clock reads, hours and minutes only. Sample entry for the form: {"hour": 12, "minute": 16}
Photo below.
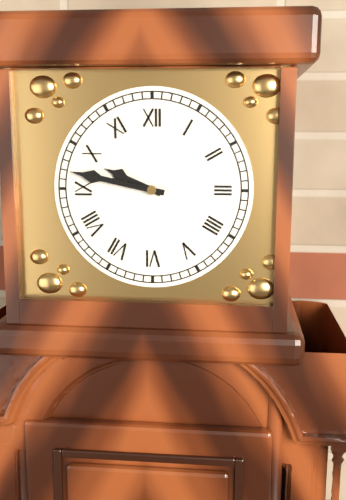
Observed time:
{"hour": 9, "minute": 47}
